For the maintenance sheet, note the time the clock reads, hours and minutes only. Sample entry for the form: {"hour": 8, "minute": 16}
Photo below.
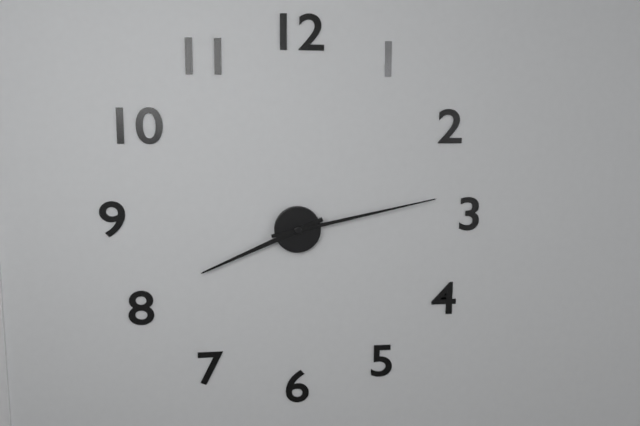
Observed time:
{"hour": 8, "minute": 13}
